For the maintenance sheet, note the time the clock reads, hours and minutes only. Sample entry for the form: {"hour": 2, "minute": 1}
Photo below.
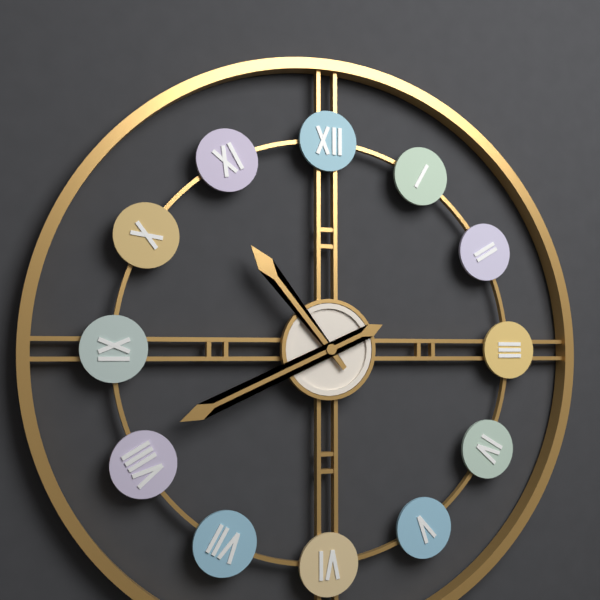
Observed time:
{"hour": 10, "minute": 41}
